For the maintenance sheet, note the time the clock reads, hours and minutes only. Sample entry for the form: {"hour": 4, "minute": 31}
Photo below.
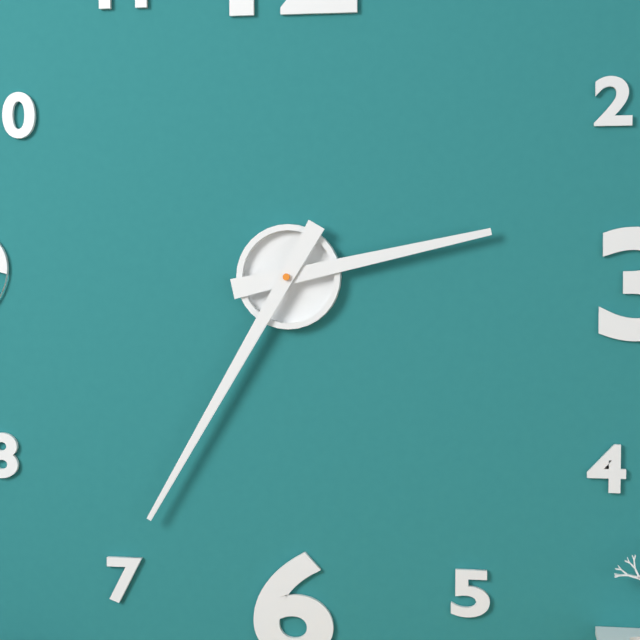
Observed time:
{"hour": 2, "minute": 35}
